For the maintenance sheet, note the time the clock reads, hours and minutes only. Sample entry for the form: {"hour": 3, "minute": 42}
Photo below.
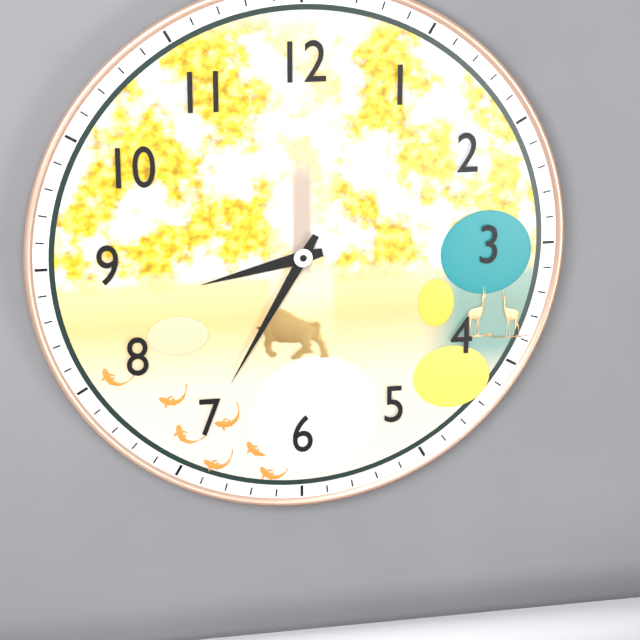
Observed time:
{"hour": 8, "minute": 35}
